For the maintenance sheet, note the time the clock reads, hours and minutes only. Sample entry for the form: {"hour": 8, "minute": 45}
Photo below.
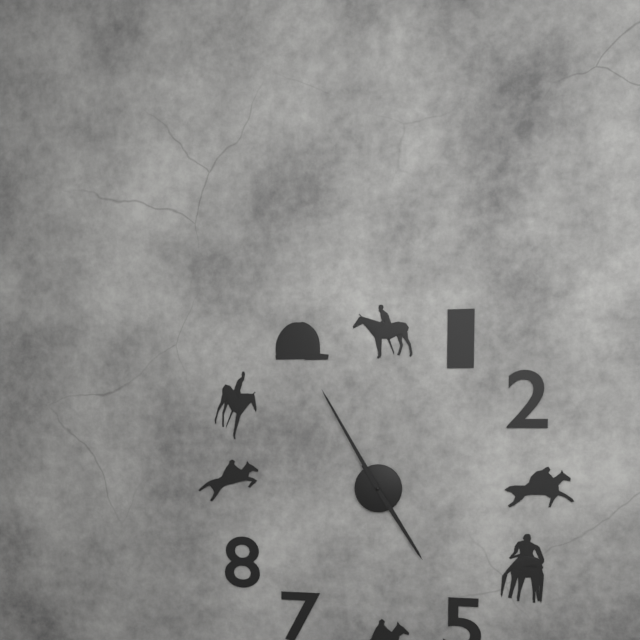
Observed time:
{"hour": 4, "minute": 55}
